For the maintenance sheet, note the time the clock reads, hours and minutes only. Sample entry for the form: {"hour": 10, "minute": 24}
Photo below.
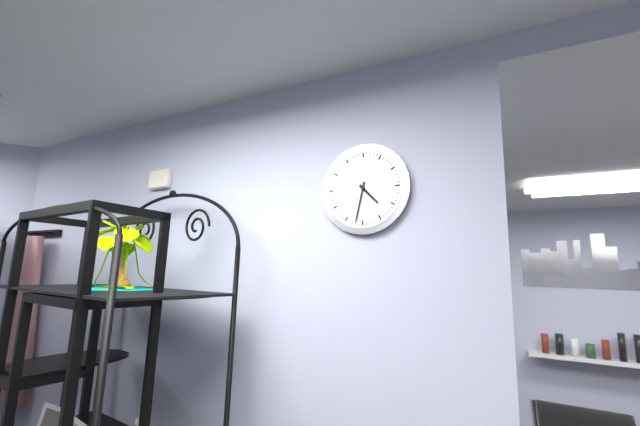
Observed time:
{"hour": 4, "minute": 32}
